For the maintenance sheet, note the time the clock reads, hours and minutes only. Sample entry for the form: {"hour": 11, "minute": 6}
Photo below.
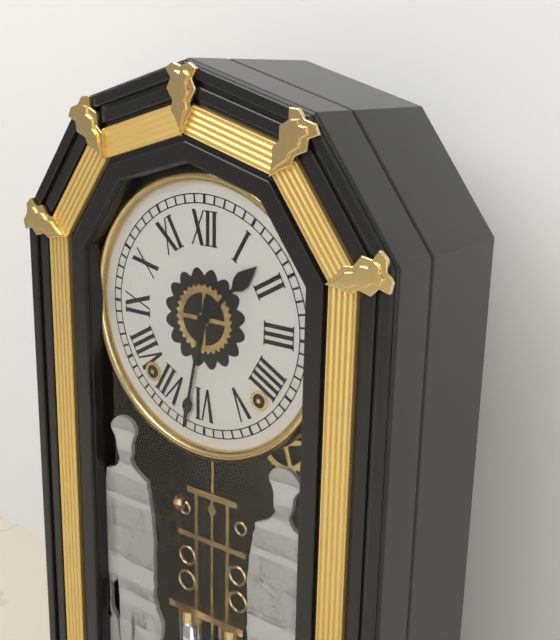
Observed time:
{"hour": 1, "minute": 32}
